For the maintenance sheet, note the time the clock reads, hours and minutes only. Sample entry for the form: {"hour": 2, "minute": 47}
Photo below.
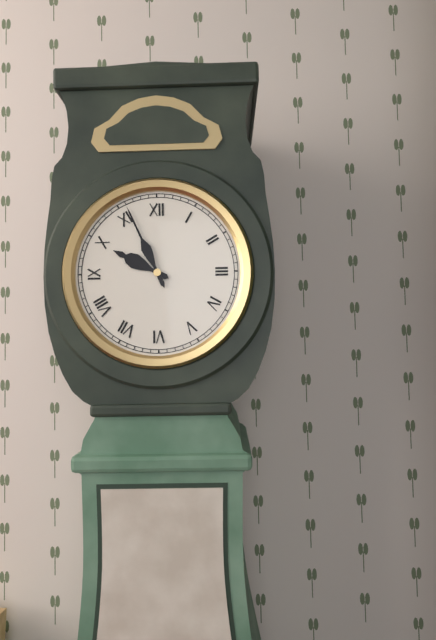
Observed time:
{"hour": 9, "minute": 56}
